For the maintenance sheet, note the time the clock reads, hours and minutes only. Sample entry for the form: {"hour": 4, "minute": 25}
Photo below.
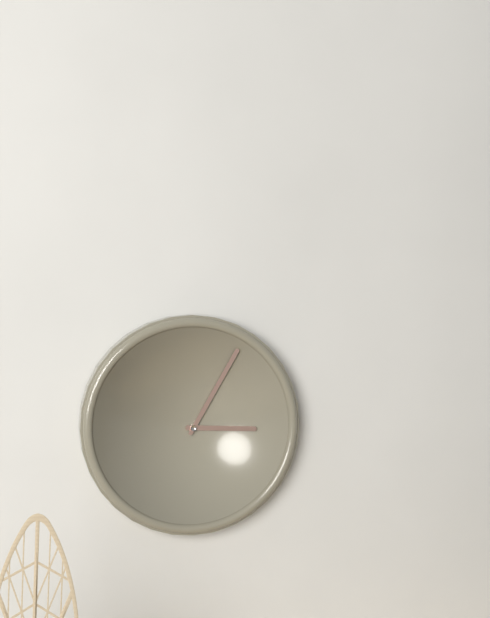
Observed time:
{"hour": 3, "minute": 5}
